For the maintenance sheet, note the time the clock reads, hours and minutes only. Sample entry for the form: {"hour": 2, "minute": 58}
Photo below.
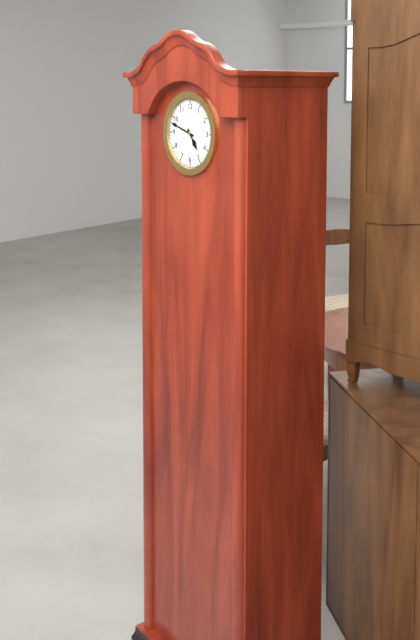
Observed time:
{"hour": 4, "minute": 48}
